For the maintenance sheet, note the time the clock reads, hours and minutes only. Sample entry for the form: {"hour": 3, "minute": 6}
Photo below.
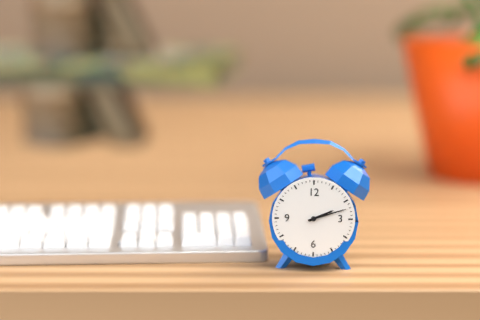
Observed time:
{"hour": 2, "minute": 12}
